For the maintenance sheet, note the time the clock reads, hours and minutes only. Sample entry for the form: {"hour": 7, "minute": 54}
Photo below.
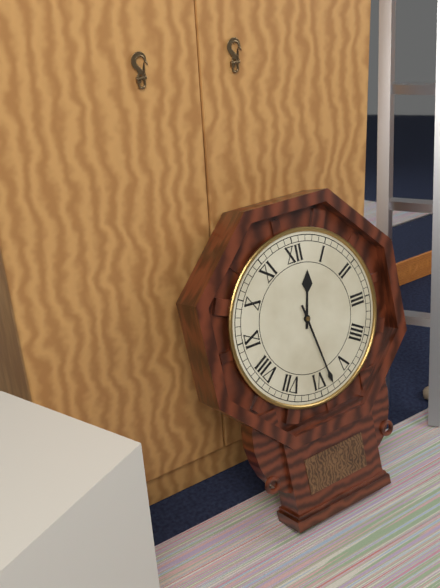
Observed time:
{"hour": 12, "minute": 28}
